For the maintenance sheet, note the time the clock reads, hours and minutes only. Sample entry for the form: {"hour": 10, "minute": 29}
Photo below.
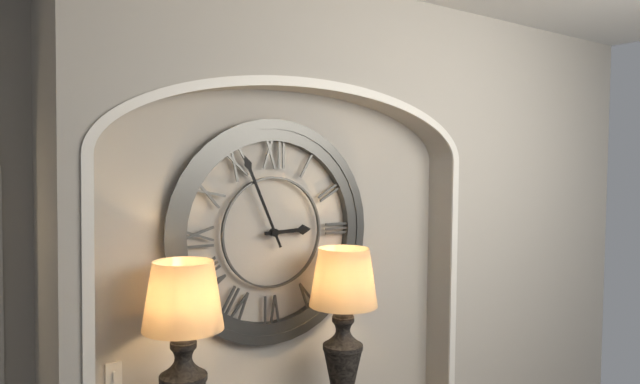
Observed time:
{"hour": 2, "minute": 56}
